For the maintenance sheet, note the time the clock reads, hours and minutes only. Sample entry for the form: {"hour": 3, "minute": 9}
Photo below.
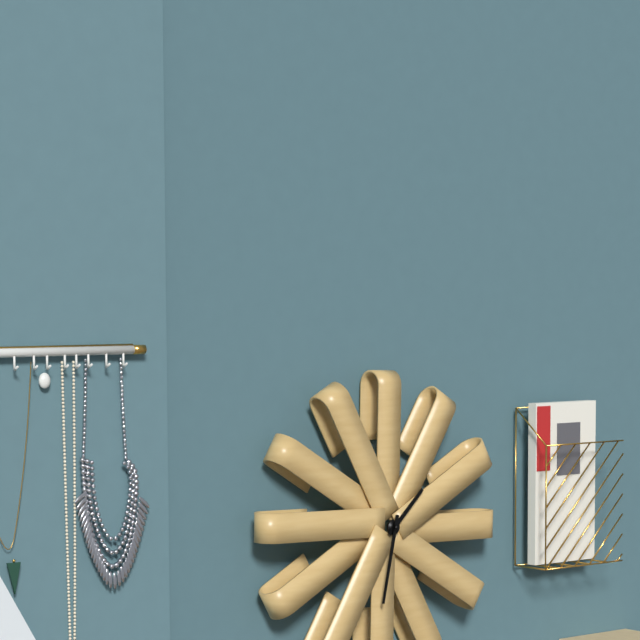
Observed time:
{"hour": 1, "minute": 32}
